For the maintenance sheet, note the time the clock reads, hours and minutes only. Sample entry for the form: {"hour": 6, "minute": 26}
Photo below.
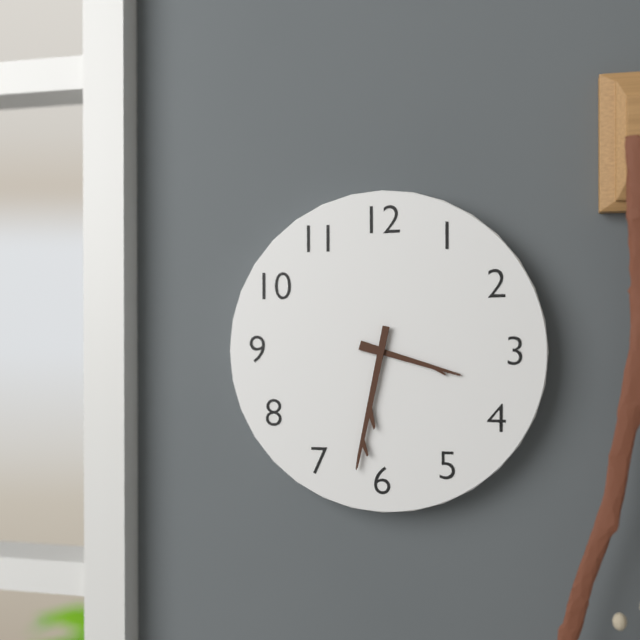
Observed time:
{"hour": 3, "minute": 32}
